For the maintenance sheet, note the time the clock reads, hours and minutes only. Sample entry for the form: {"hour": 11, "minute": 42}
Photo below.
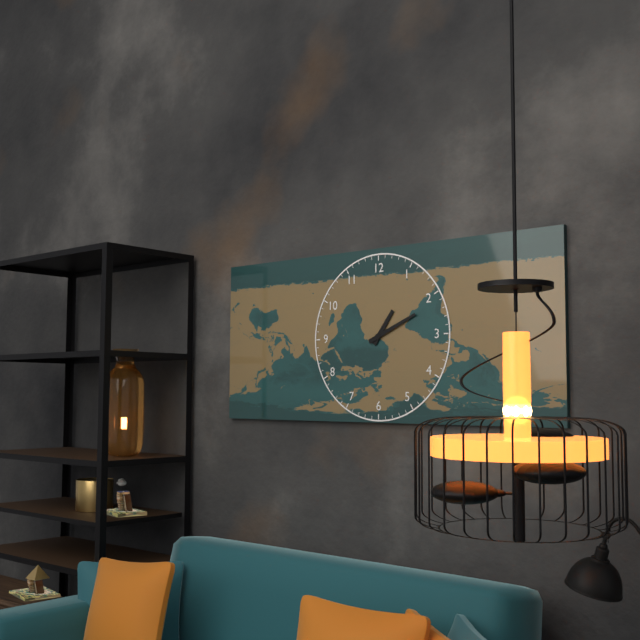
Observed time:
{"hour": 1, "minute": 11}
